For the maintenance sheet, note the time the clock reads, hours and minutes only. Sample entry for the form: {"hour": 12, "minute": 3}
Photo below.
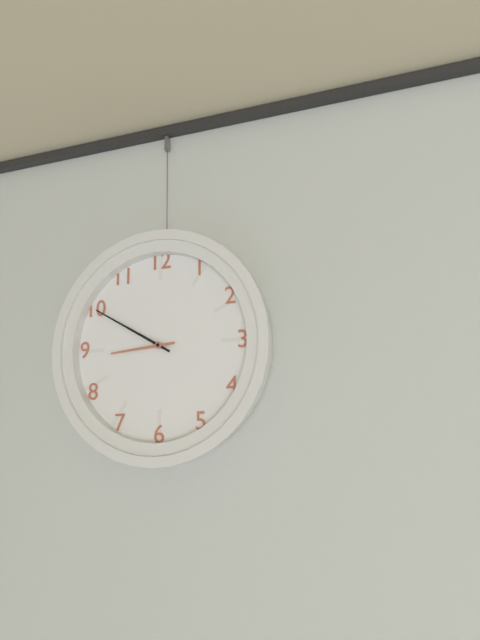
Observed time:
{"hour": 8, "minute": 50}
